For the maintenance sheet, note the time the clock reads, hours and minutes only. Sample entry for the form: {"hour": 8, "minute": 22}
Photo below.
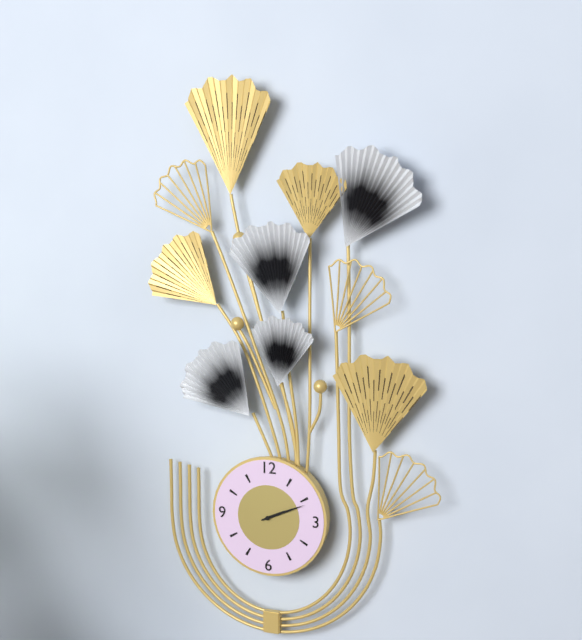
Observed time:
{"hour": 2, "minute": 11}
